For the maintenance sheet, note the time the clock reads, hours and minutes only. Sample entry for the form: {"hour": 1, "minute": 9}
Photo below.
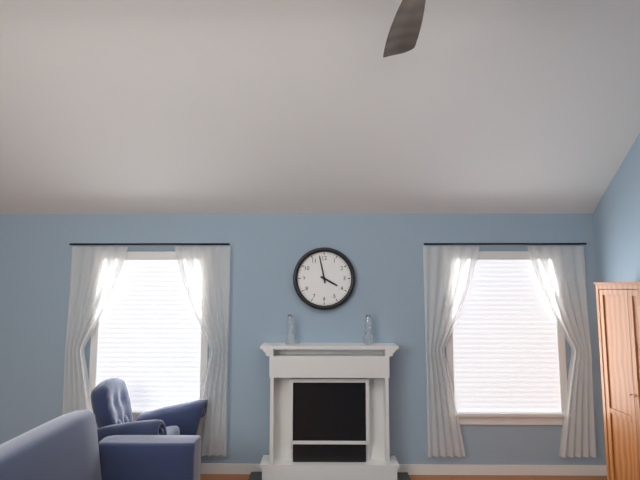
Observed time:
{"hour": 3, "minute": 58}
